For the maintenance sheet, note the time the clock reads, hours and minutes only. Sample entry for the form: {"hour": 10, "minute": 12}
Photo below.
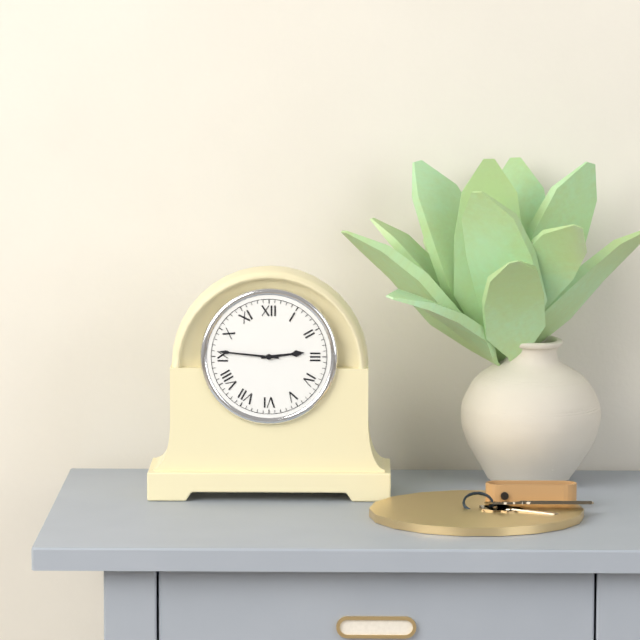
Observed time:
{"hour": 2, "minute": 46}
